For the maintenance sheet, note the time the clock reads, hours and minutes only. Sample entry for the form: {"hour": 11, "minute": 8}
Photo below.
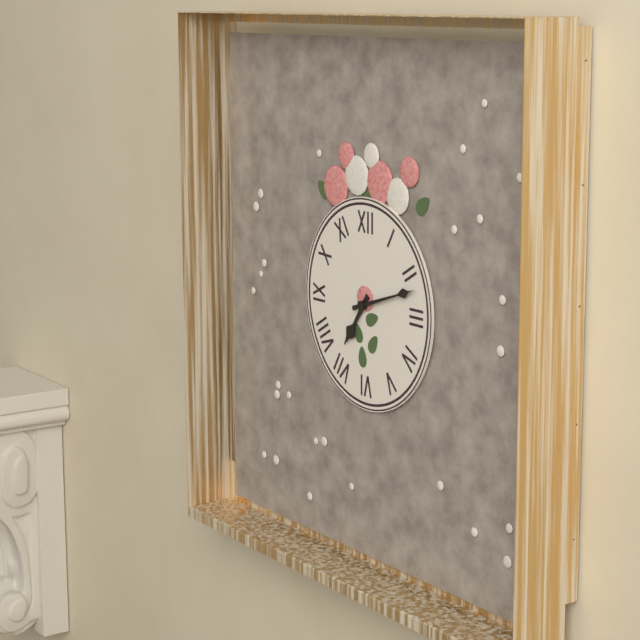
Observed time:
{"hour": 7, "minute": 12}
